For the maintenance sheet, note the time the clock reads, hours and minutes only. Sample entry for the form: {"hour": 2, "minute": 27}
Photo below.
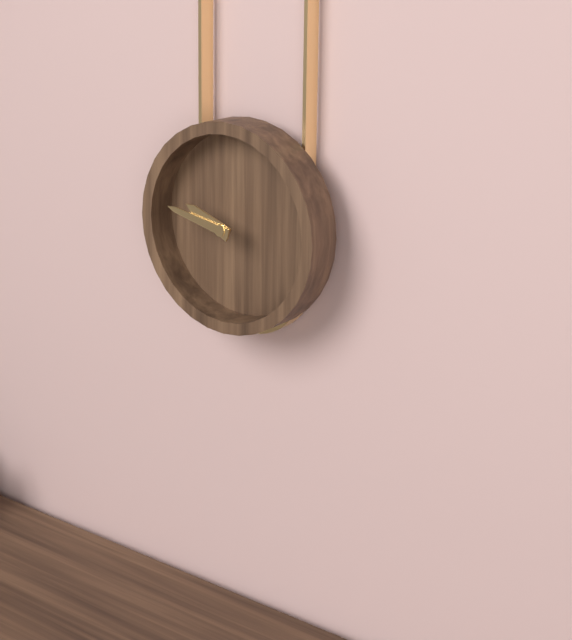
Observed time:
{"hour": 9, "minute": 47}
